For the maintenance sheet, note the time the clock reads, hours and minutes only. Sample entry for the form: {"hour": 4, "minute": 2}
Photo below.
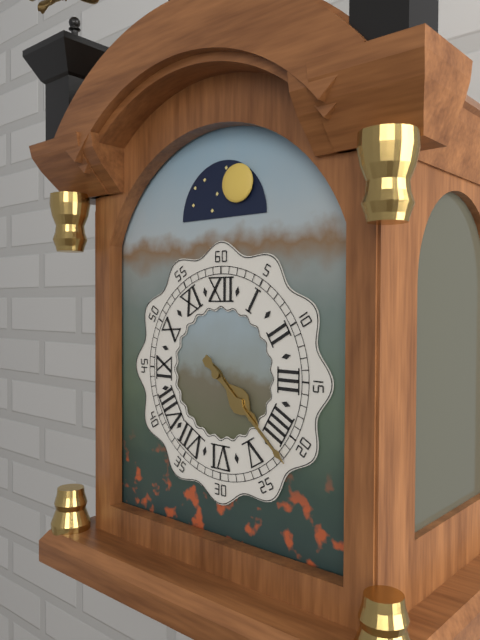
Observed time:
{"hour": 4, "minute": 22}
